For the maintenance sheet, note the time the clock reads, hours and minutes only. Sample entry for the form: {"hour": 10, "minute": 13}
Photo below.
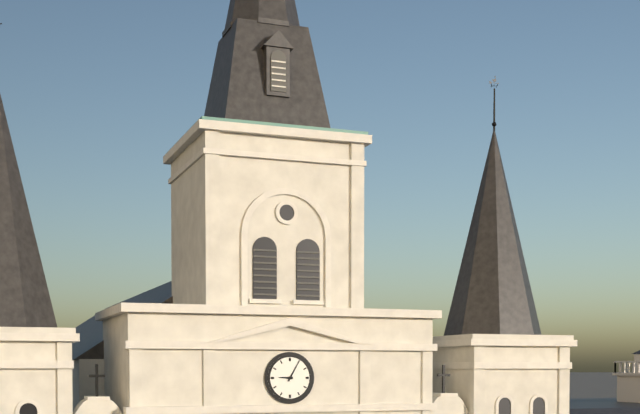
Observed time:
{"hour": 9, "minute": 5}
